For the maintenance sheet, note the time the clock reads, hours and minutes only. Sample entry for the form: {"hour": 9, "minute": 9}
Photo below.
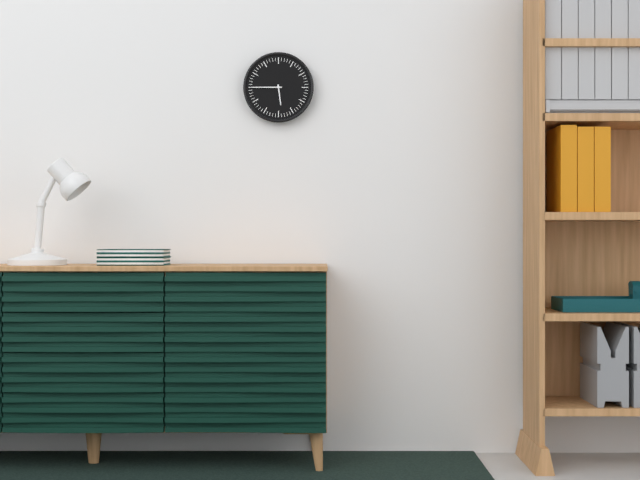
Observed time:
{"hour": 5, "minute": 45}
